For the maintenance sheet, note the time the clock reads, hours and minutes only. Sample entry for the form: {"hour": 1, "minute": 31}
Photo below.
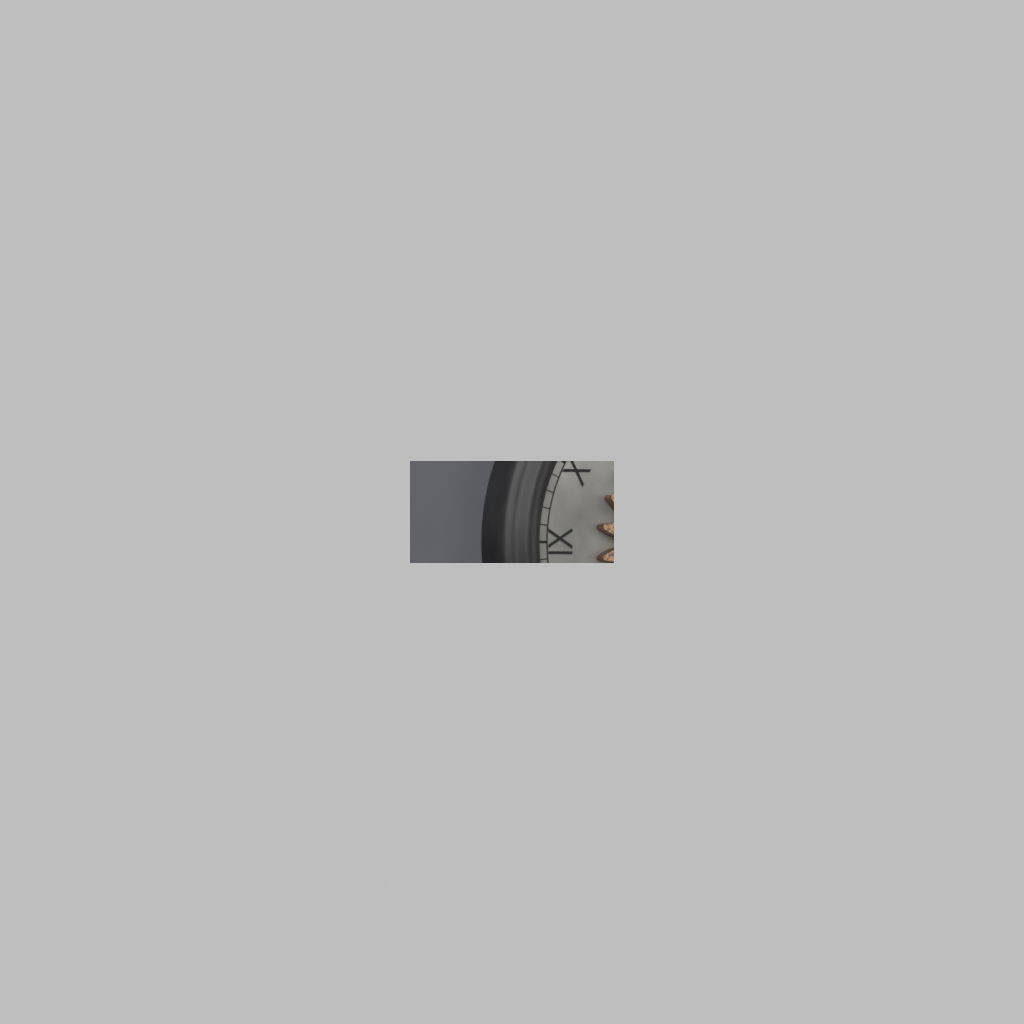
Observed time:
{"hour": 10, "minute": 26}
